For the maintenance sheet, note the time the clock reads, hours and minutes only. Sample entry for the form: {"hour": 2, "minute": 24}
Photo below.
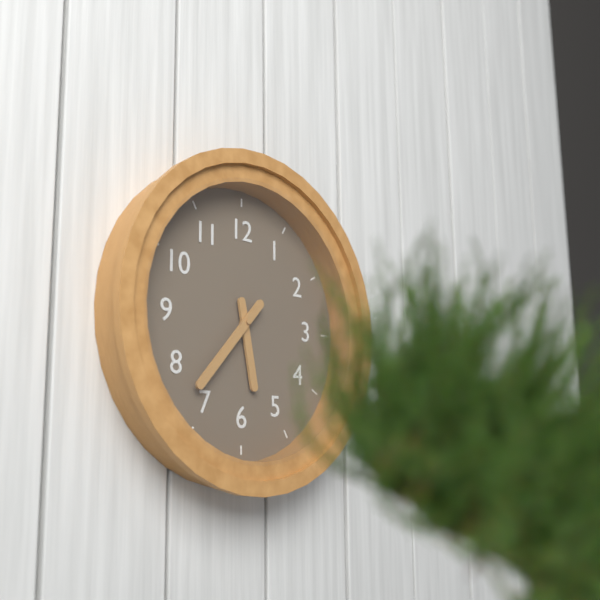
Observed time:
{"hour": 5, "minute": 37}
